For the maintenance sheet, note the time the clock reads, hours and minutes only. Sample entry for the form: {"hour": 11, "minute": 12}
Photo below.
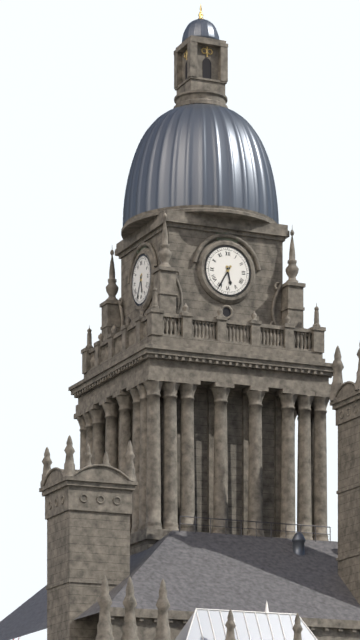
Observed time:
{"hour": 5, "minute": 35}
